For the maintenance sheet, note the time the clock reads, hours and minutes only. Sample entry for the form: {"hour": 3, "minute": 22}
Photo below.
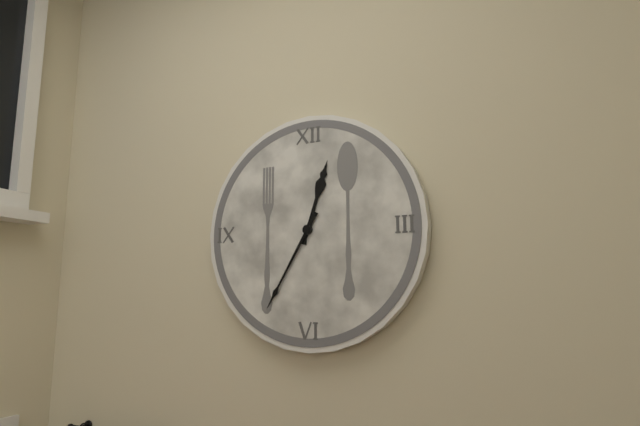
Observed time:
{"hour": 12, "minute": 35}
